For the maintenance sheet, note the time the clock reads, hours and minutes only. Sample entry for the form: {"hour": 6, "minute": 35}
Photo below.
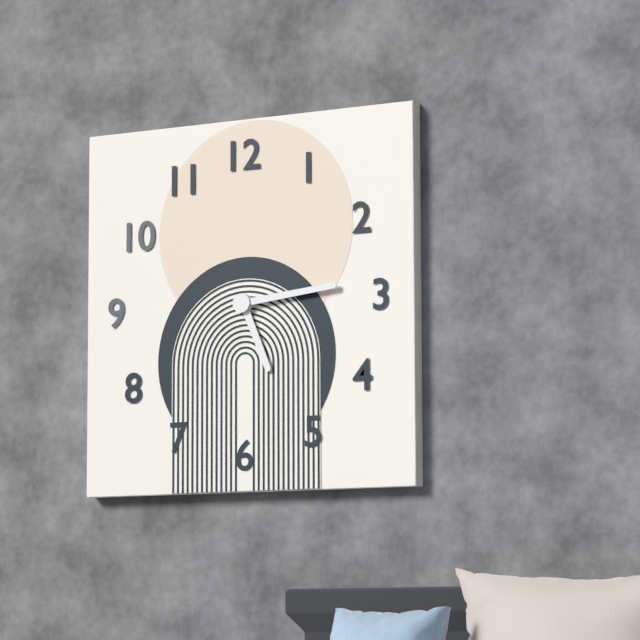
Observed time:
{"hour": 5, "minute": 14}
